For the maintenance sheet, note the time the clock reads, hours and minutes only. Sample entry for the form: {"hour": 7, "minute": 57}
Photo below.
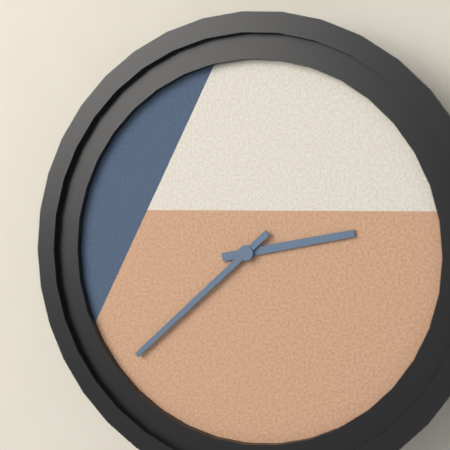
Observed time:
{"hour": 2, "minute": 38}
